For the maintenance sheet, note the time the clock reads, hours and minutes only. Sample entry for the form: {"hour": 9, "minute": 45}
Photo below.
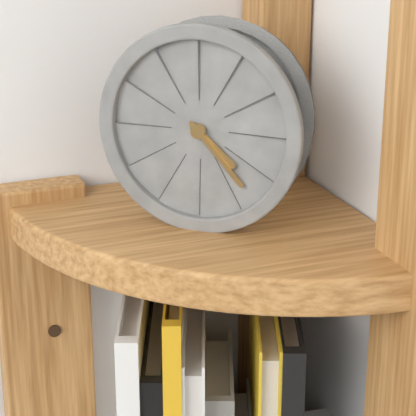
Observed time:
{"hour": 4, "minute": 23}
